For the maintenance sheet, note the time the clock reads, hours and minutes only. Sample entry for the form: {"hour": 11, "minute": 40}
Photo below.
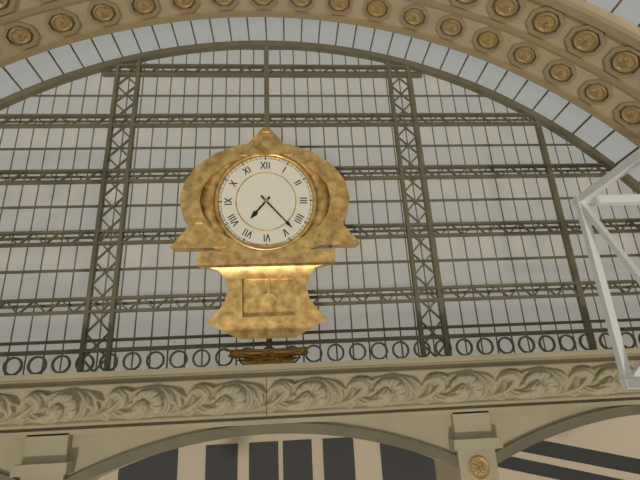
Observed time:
{"hour": 7, "minute": 23}
